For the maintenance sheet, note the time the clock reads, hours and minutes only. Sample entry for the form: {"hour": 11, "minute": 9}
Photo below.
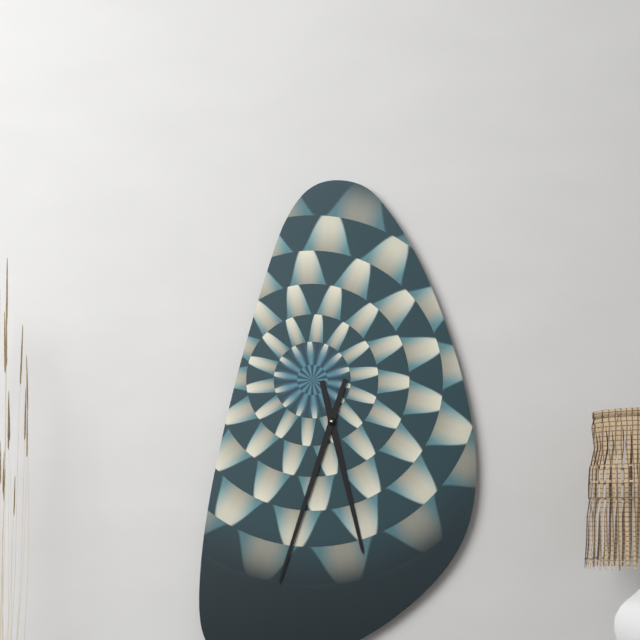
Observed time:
{"hour": 5, "minute": 33}
